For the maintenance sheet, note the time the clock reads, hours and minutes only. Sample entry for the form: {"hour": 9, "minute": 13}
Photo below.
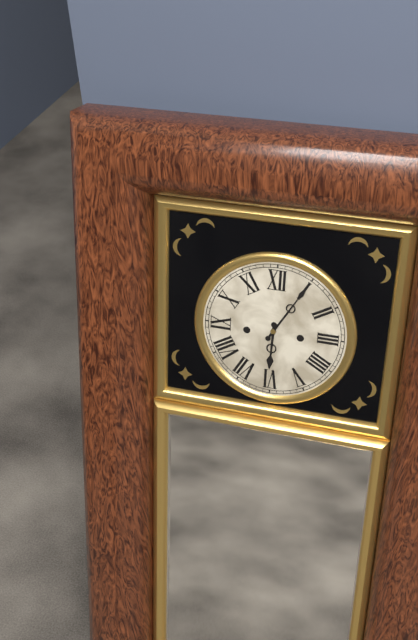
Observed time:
{"hour": 6, "minute": 5}
